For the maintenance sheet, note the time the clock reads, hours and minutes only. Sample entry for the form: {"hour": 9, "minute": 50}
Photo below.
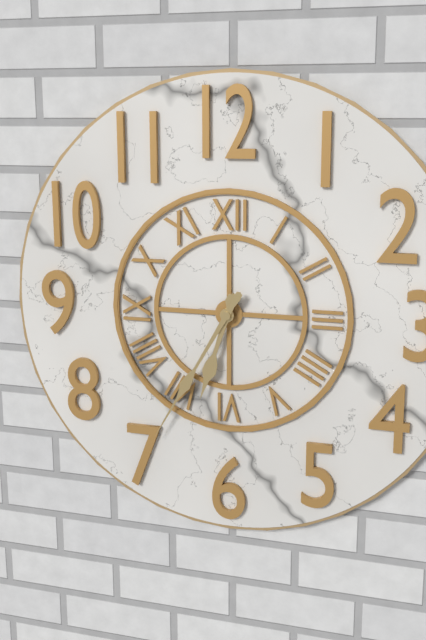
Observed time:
{"hour": 6, "minute": 35}
